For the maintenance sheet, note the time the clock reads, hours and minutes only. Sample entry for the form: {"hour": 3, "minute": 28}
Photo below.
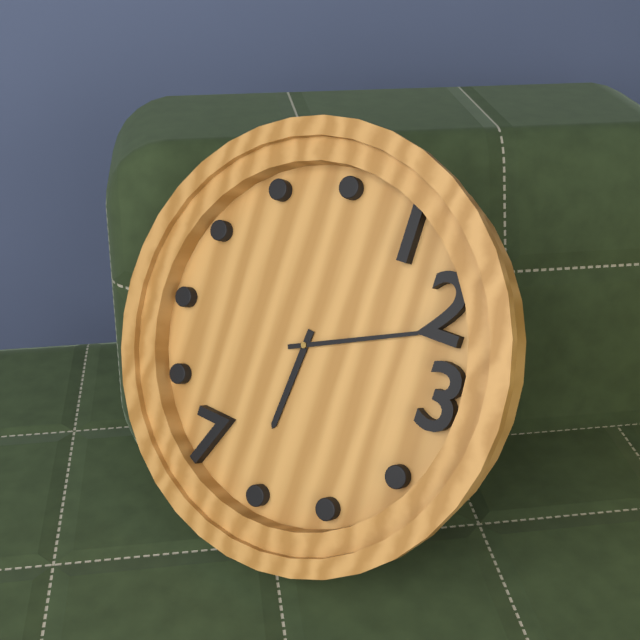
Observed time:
{"hour": 6, "minute": 11}
